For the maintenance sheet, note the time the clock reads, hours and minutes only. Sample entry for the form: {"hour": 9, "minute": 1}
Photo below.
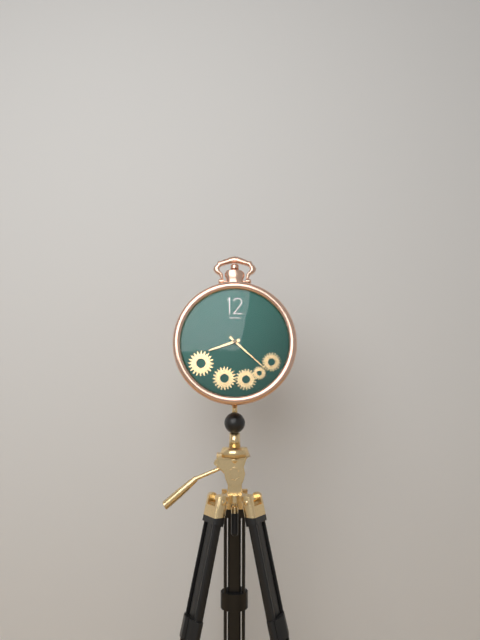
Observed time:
{"hour": 8, "minute": 22}
